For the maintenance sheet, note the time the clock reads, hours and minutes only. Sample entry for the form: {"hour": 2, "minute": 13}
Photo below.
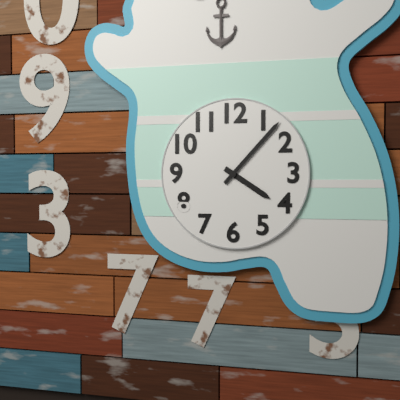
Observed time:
{"hour": 4, "minute": 7}
